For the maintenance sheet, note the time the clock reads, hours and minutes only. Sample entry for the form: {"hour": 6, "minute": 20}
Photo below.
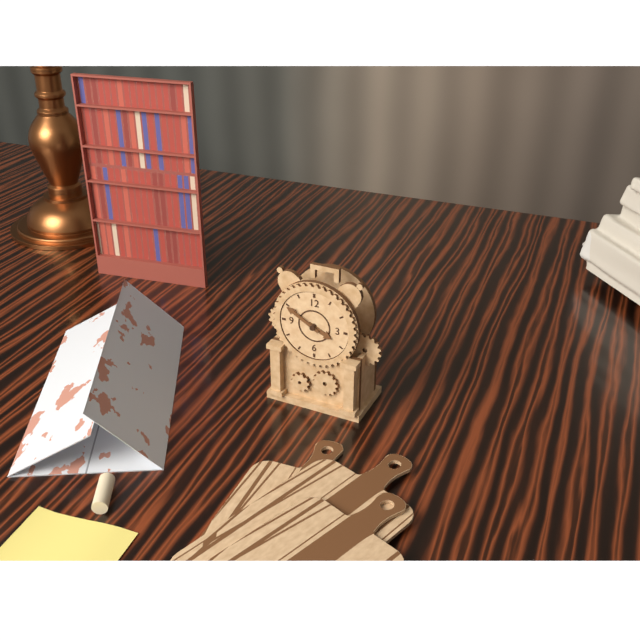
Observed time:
{"hour": 3, "minute": 50}
